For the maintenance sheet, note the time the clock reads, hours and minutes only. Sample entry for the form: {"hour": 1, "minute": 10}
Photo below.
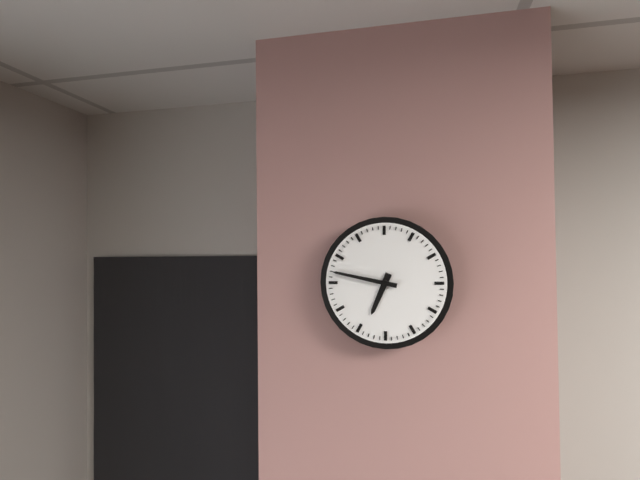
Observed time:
{"hour": 6, "minute": 47}
